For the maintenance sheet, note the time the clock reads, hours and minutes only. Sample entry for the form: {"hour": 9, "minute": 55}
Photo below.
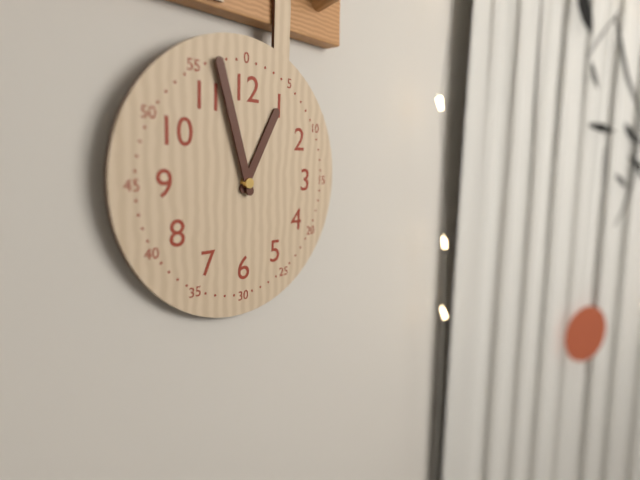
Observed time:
{"hour": 12, "minute": 57}
